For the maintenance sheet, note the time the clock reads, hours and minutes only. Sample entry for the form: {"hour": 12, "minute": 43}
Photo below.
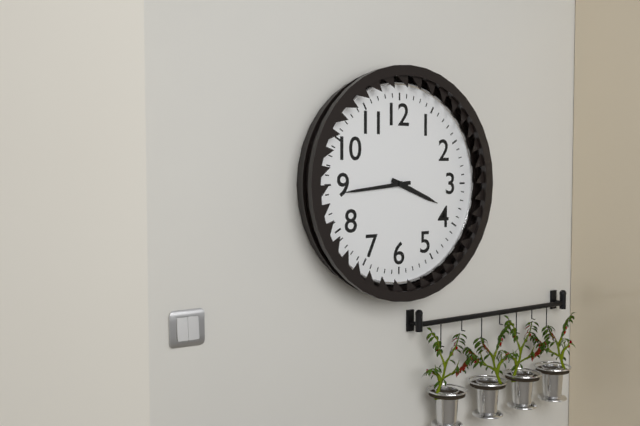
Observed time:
{"hour": 3, "minute": 44}
